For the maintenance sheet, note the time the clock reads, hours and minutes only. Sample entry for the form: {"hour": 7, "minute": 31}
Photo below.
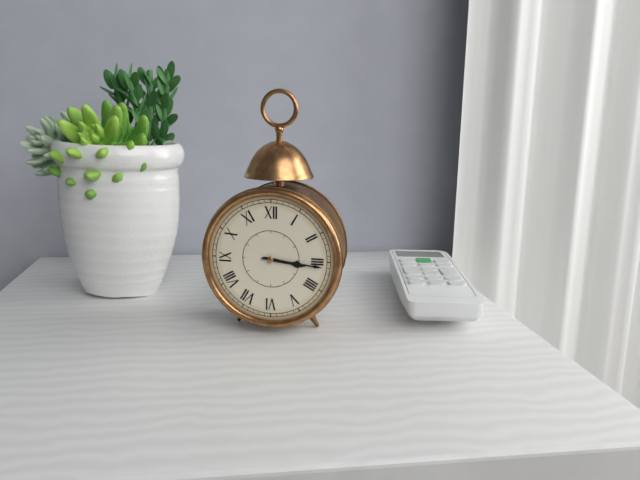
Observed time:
{"hour": 3, "minute": 16}
